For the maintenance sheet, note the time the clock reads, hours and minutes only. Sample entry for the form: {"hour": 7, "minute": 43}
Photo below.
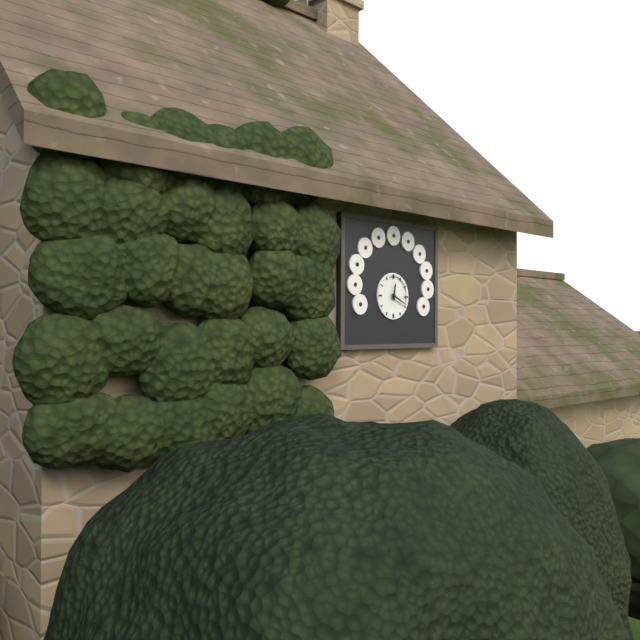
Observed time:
{"hour": 12, "minute": 19}
